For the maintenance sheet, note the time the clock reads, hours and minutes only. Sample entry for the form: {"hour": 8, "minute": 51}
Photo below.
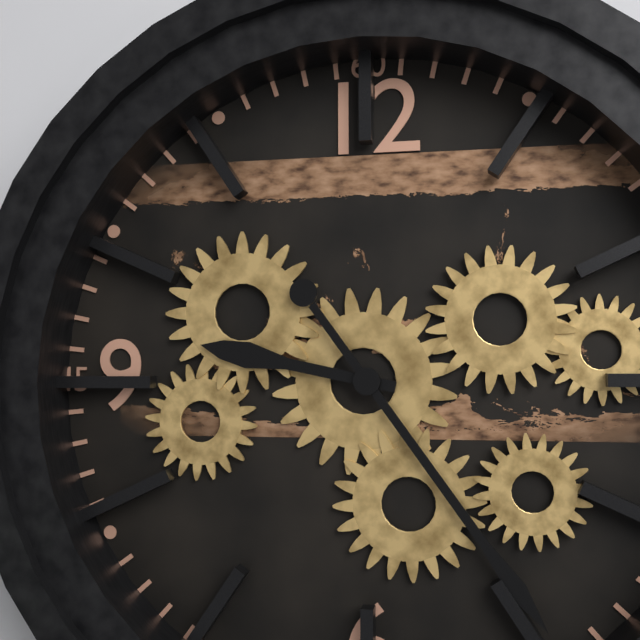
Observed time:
{"hour": 9, "minute": 24}
